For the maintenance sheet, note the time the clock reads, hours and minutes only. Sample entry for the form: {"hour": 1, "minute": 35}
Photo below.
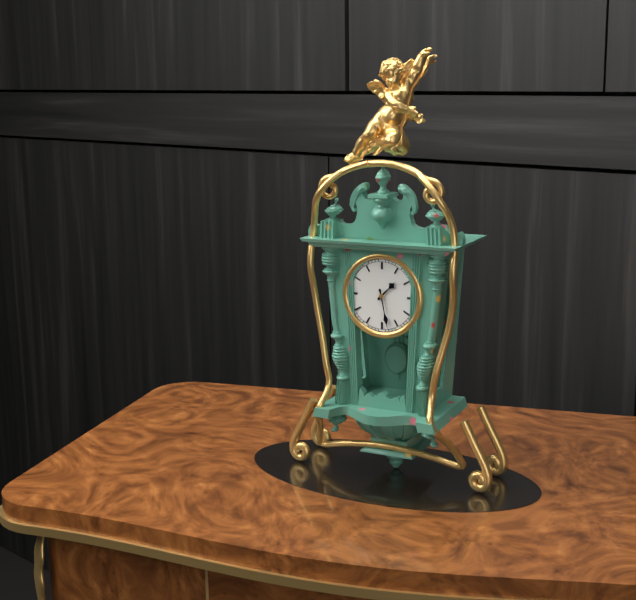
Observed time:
{"hour": 1, "minute": 28}
